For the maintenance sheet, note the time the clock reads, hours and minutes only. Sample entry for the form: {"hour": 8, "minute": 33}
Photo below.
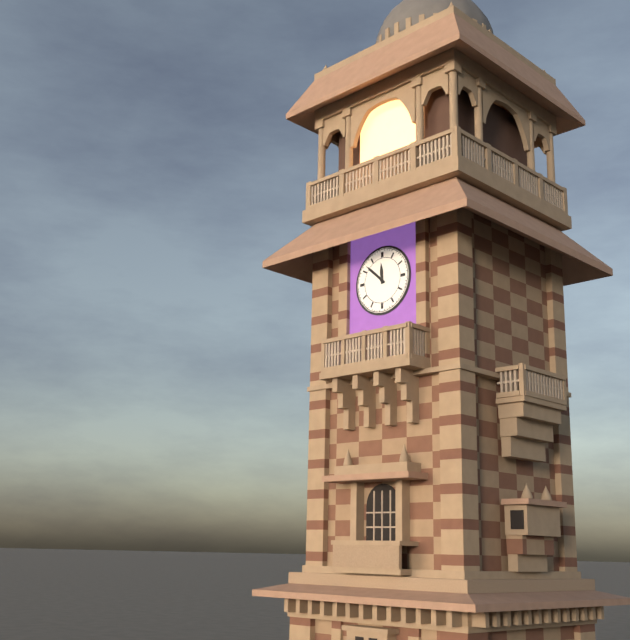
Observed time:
{"hour": 11, "minute": 52}
